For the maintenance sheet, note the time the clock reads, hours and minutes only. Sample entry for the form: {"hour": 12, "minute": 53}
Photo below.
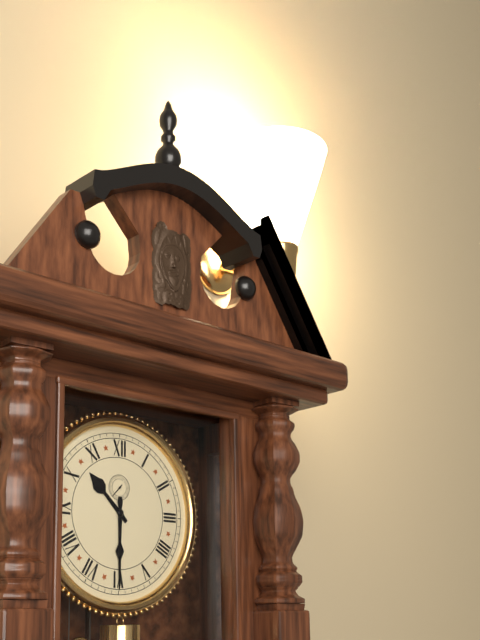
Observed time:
{"hour": 10, "minute": 30}
